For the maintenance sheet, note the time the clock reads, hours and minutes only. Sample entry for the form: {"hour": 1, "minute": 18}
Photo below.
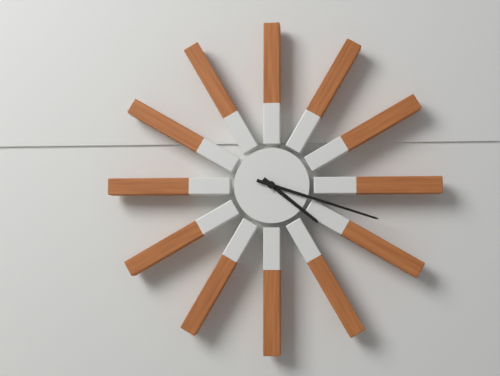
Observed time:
{"hour": 4, "minute": 18}
